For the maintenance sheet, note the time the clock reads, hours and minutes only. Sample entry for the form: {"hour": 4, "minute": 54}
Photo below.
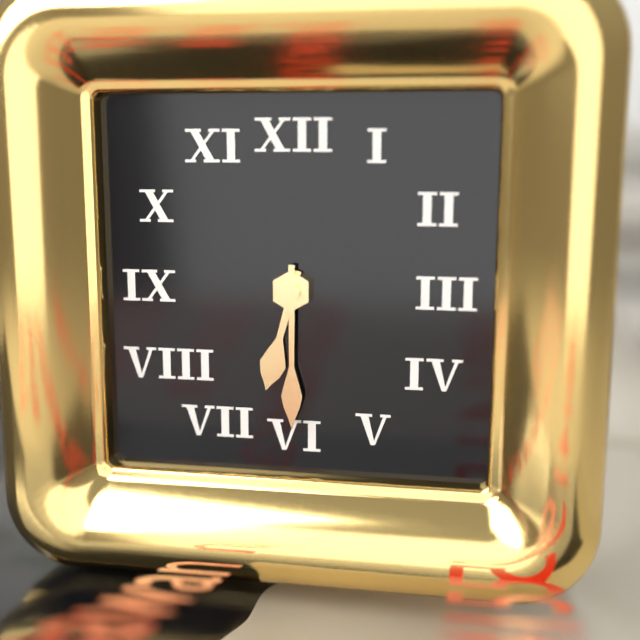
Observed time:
{"hour": 6, "minute": 30}
